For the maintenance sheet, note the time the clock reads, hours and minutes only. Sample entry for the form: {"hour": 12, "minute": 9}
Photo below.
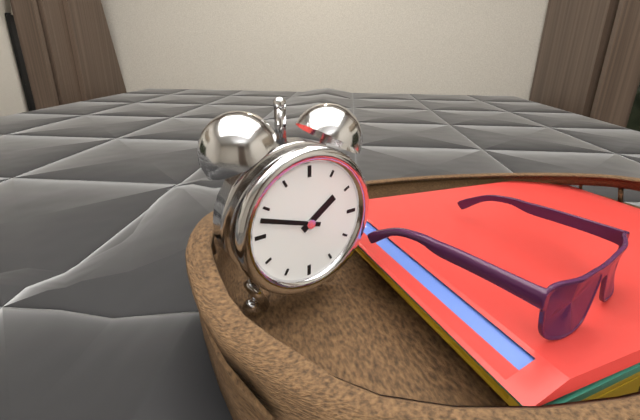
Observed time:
{"hour": 1, "minute": 48}
